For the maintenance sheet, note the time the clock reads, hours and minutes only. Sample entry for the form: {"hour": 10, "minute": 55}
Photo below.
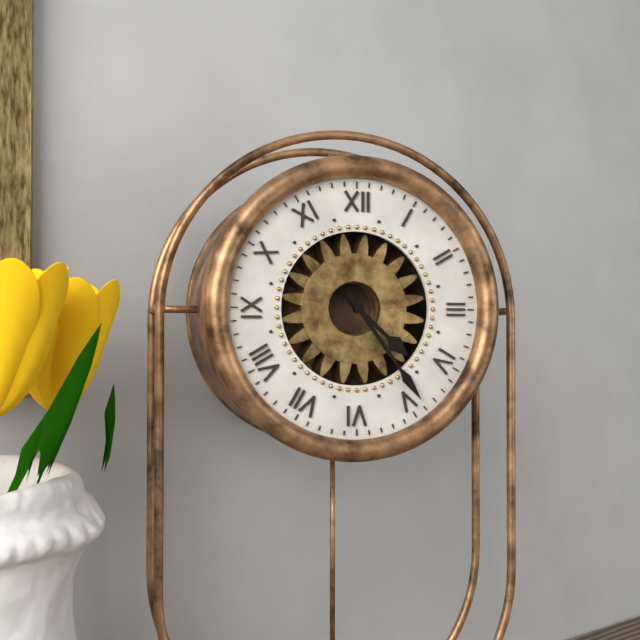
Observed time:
{"hour": 4, "minute": 24}
